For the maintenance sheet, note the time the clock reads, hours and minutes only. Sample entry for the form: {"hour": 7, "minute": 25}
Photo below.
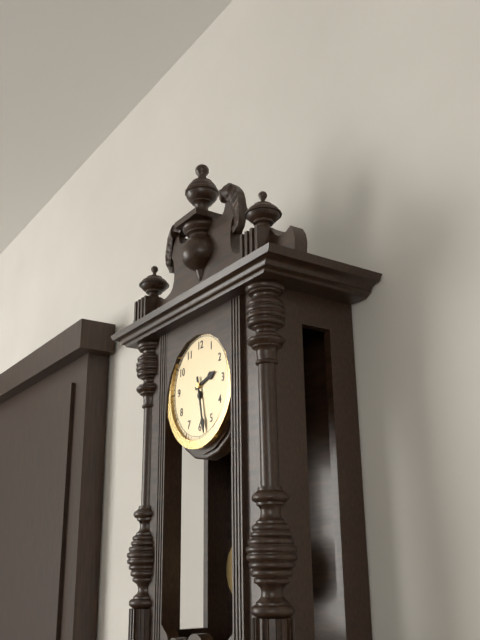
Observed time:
{"hour": 2, "minute": 28}
